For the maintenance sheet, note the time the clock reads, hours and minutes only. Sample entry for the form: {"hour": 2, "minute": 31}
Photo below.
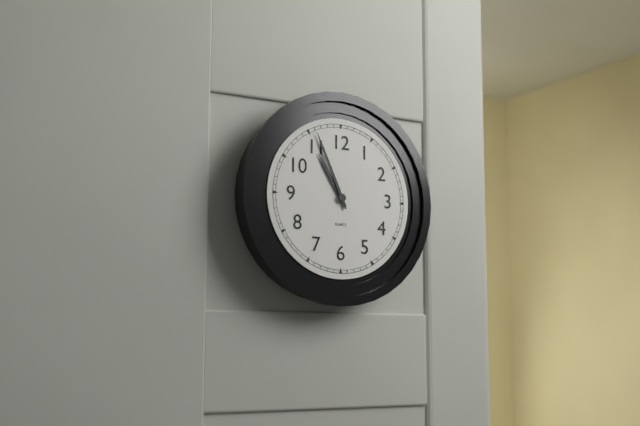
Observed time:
{"hour": 10, "minute": 56}
